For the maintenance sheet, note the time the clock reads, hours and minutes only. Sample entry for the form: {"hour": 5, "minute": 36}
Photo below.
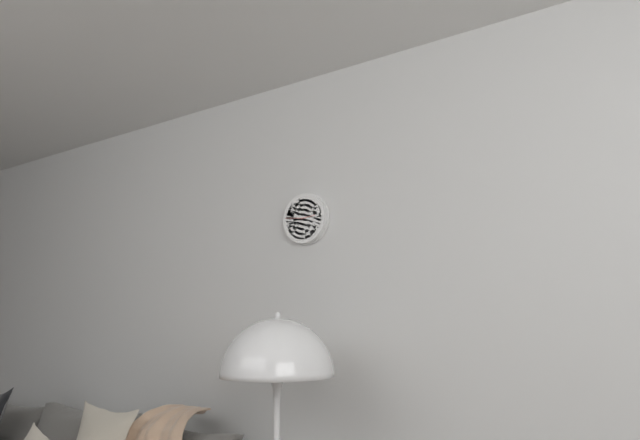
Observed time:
{"hour": 2, "minute": 46}
